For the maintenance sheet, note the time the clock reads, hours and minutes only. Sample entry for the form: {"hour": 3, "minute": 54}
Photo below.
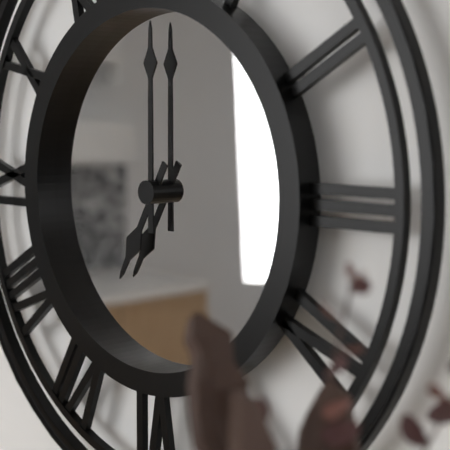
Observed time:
{"hour": 7, "minute": 0}
